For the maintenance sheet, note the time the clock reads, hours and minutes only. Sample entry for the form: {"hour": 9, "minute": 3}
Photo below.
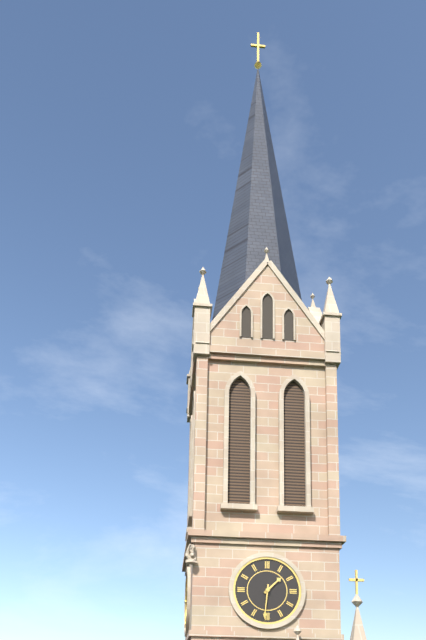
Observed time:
{"hour": 1, "minute": 31}
